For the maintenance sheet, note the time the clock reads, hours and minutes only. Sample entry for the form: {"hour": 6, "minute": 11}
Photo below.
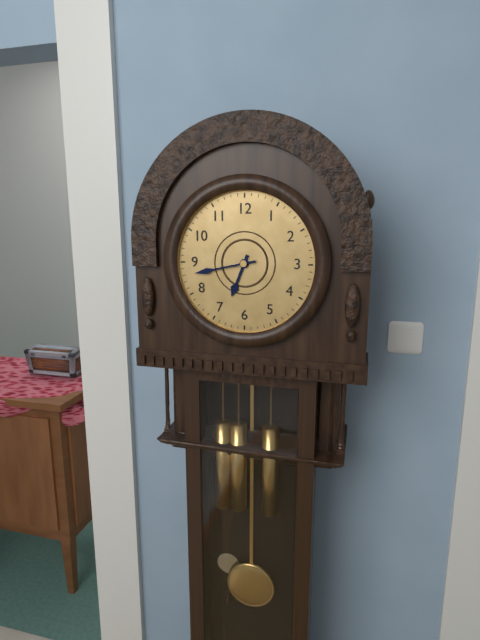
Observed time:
{"hour": 6, "minute": 43}
